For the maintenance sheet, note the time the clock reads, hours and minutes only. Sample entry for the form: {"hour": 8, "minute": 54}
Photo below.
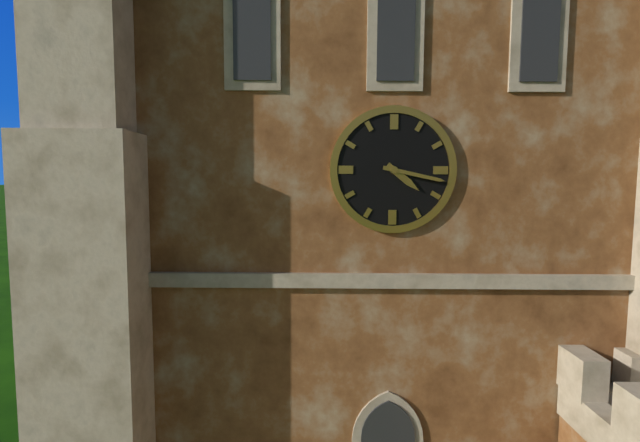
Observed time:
{"hour": 4, "minute": 17}
